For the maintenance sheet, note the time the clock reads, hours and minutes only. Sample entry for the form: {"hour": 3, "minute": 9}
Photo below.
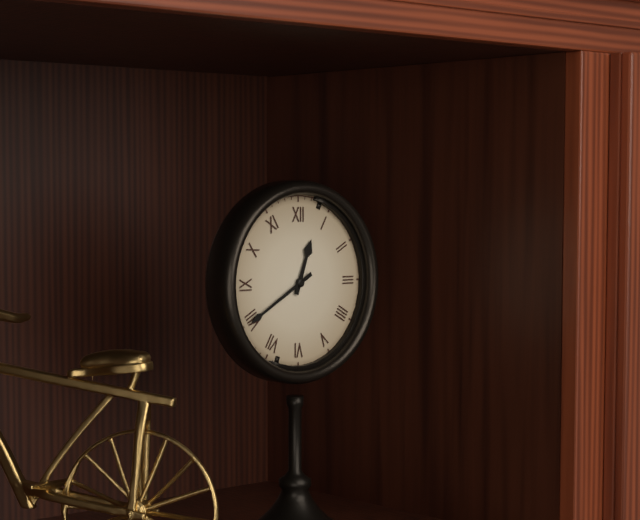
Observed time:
{"hour": 12, "minute": 40}
